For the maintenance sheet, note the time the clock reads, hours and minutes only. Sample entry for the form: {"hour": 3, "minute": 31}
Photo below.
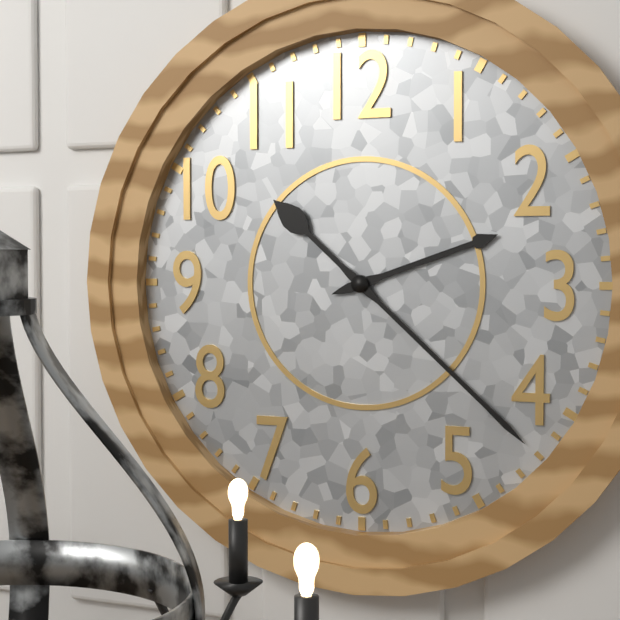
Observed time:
{"hour": 2, "minute": 22}
